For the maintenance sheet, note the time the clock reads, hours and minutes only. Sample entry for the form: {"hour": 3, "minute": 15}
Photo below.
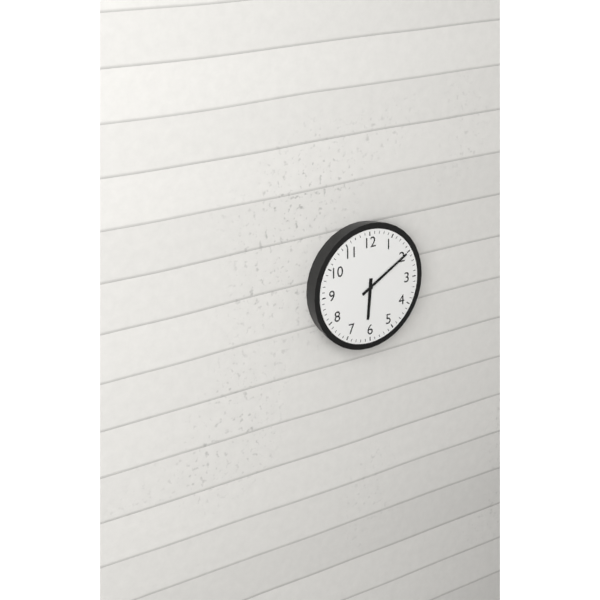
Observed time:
{"hour": 6, "minute": 10}
